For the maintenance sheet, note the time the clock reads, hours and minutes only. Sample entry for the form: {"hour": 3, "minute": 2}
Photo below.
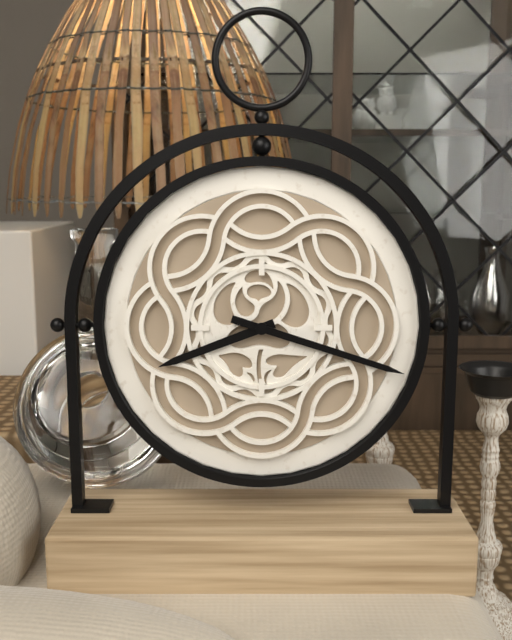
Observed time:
{"hour": 8, "minute": 18}
